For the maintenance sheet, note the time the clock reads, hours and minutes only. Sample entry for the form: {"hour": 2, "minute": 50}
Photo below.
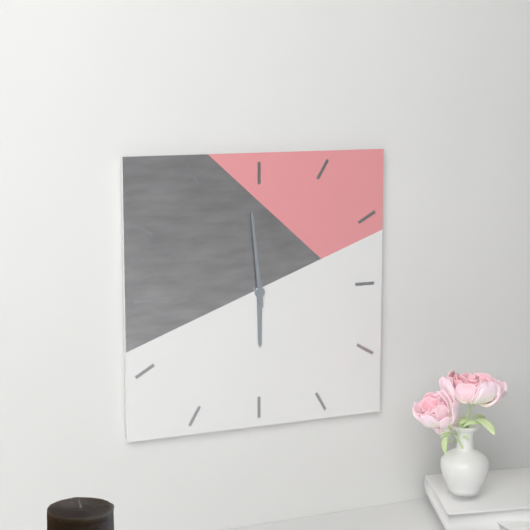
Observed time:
{"hour": 5, "minute": 59}
